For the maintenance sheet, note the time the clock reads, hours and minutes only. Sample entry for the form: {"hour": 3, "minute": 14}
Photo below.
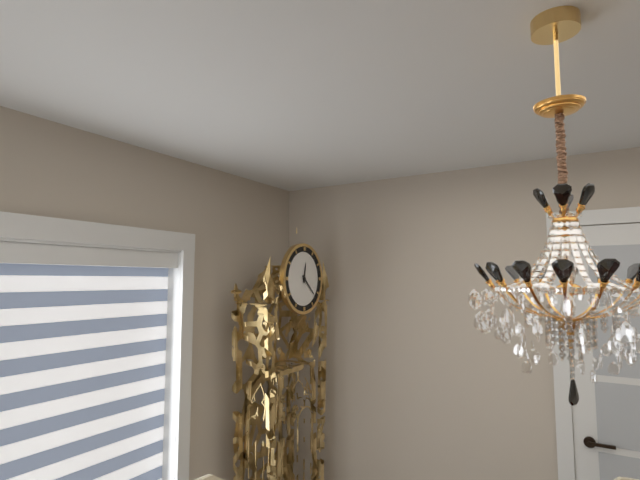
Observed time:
{"hour": 12, "minute": 22}
